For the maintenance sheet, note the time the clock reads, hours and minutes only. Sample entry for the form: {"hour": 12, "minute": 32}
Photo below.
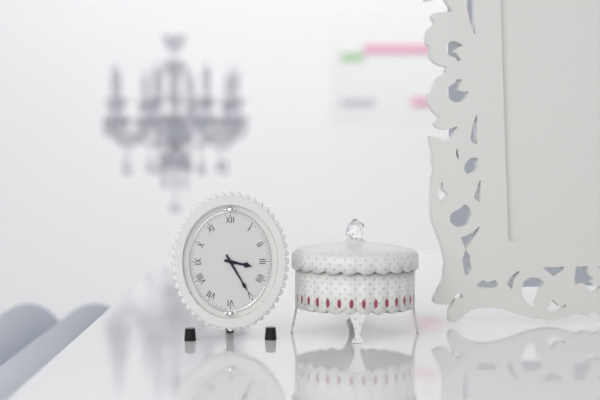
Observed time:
{"hour": 3, "minute": 25}
